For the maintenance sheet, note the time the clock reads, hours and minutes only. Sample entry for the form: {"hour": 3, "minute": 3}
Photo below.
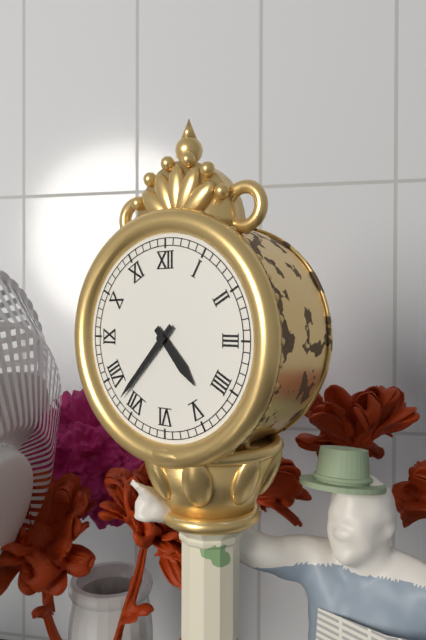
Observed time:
{"hour": 4, "minute": 37}
